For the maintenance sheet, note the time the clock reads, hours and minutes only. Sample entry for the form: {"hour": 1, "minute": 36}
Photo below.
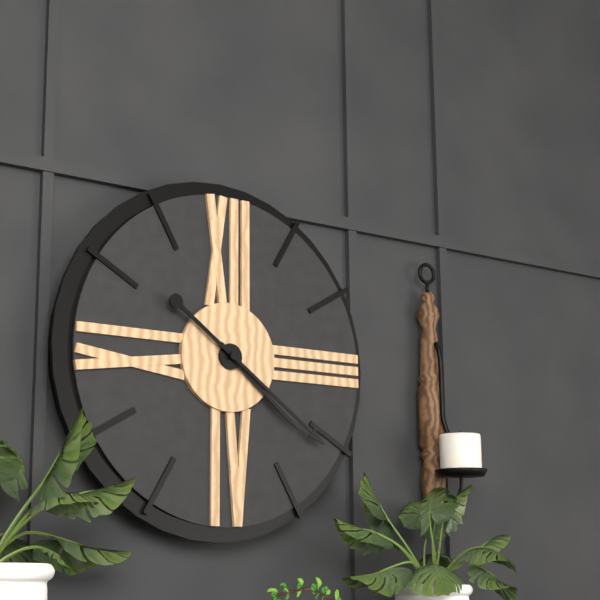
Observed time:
{"hour": 4, "minute": 21}
